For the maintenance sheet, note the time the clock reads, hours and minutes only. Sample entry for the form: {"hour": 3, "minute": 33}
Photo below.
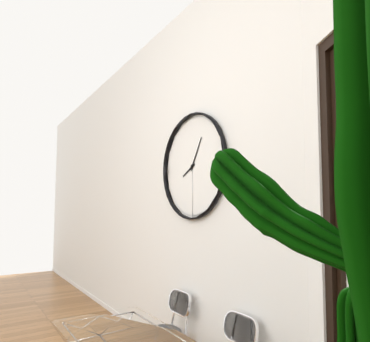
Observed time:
{"hour": 8, "minute": 5}
